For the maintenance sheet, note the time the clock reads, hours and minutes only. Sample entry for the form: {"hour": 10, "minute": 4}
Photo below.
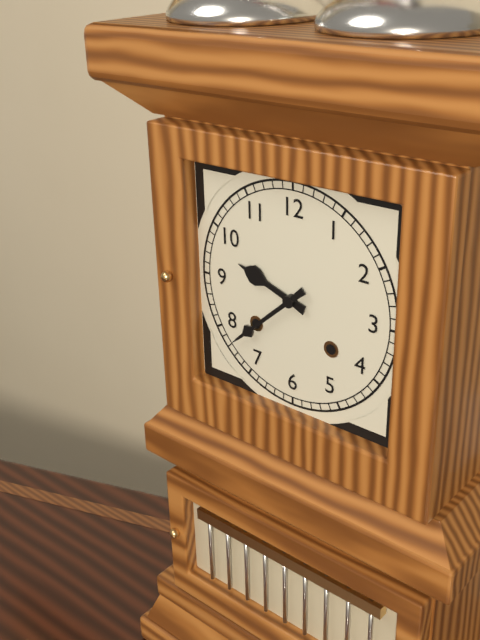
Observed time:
{"hour": 9, "minute": 38}
